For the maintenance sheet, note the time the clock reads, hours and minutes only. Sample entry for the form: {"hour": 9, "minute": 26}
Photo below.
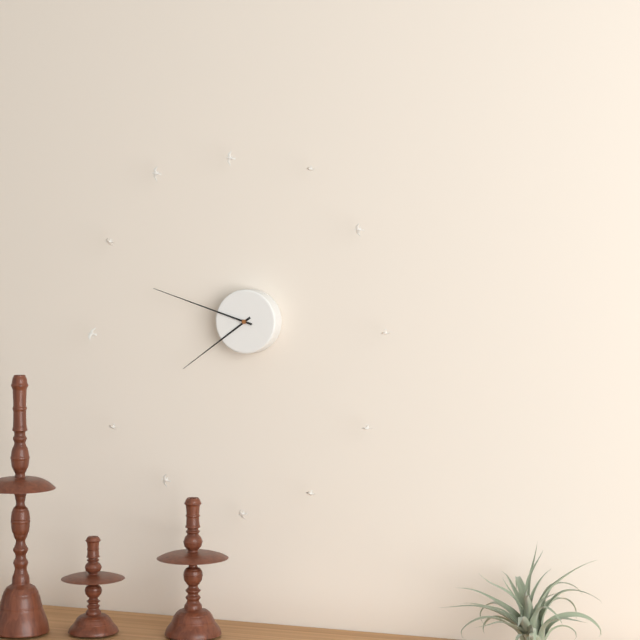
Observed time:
{"hour": 7, "minute": 48}
